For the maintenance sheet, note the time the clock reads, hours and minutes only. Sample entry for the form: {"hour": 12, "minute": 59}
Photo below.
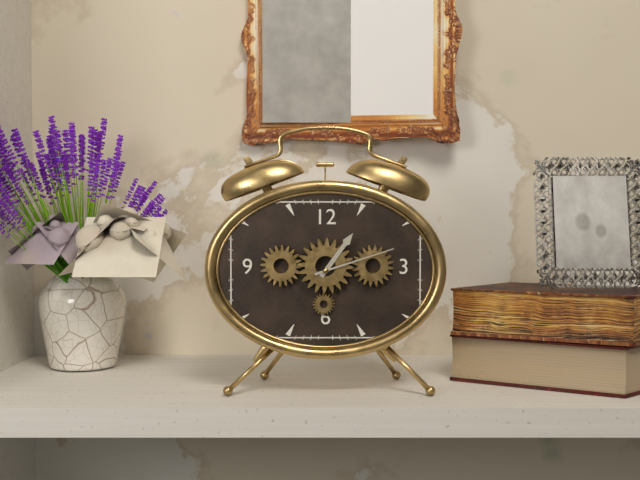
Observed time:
{"hour": 1, "minute": 12}
